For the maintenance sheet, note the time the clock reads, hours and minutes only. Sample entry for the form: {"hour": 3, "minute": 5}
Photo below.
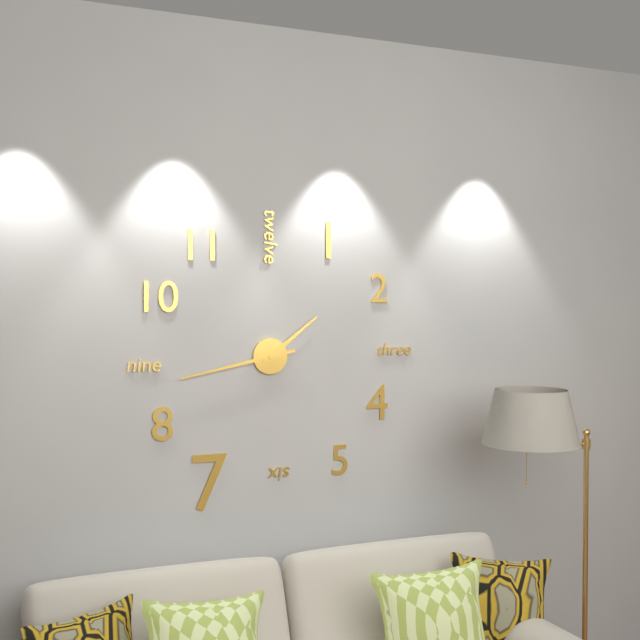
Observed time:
{"hour": 1, "minute": 43}
